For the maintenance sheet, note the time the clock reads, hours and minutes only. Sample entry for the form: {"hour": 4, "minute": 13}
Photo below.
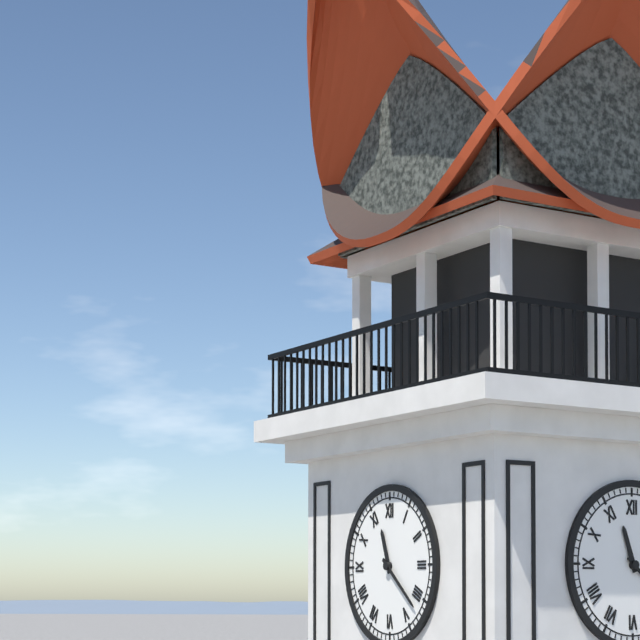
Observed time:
{"hour": 11, "minute": 22}
